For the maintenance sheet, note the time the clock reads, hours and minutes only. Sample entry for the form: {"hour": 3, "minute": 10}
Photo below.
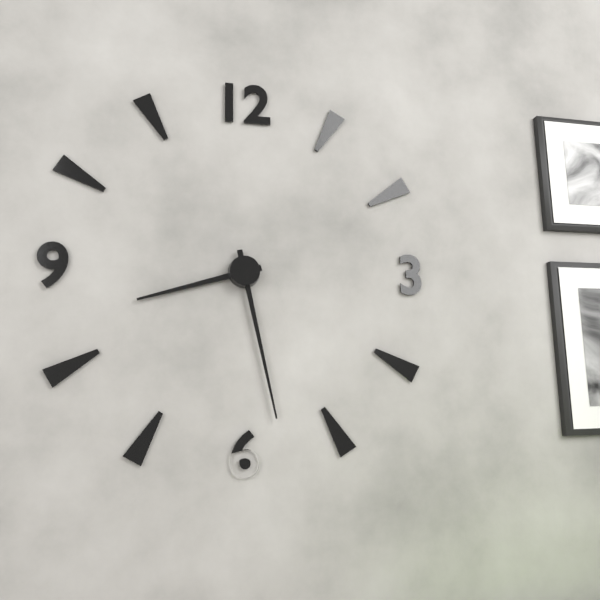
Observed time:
{"hour": 8, "minute": 28}
